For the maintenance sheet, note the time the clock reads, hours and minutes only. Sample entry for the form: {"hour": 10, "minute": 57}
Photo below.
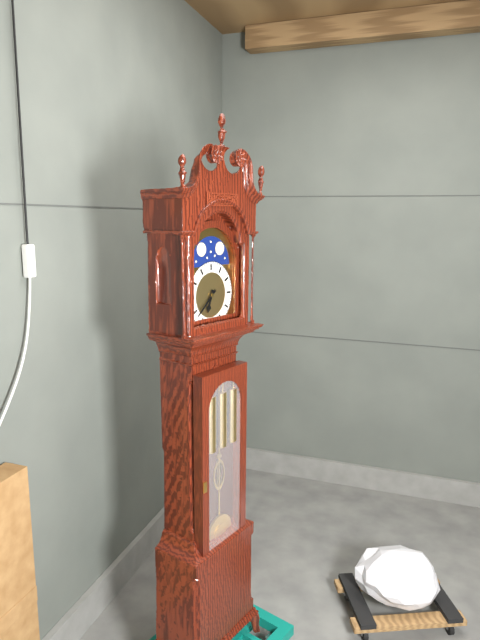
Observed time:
{"hour": 6, "minute": 38}
